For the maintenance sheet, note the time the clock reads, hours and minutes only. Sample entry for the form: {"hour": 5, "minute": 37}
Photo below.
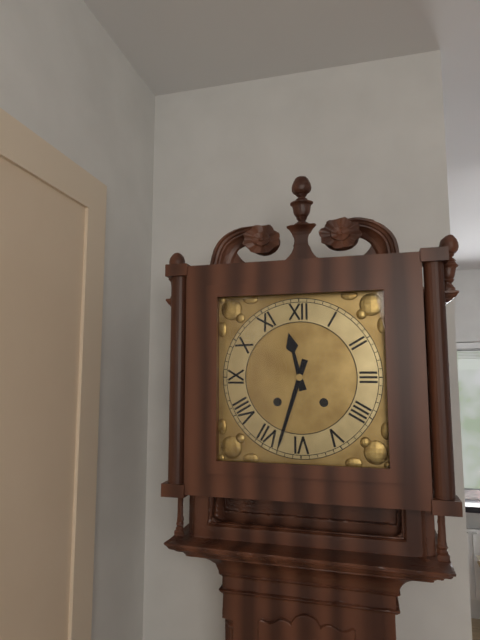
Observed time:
{"hour": 11, "minute": 33}
